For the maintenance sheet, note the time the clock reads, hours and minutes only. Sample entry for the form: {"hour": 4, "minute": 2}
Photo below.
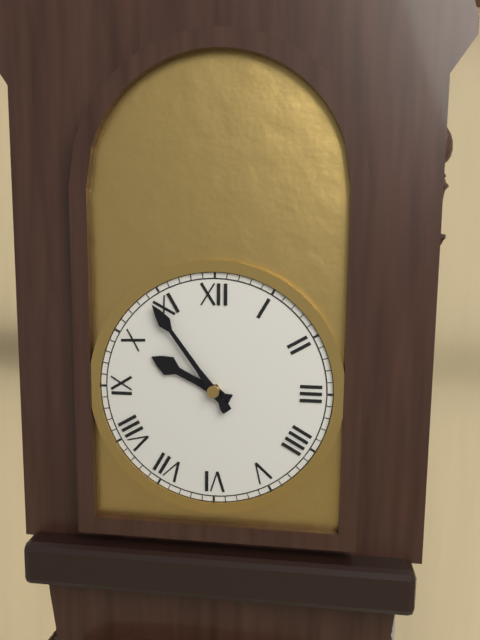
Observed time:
{"hour": 9, "minute": 54}
